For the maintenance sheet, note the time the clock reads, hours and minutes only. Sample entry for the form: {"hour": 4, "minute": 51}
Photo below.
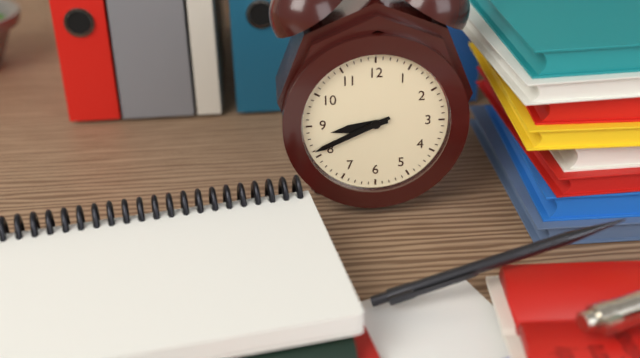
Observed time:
{"hour": 8, "minute": 41}
